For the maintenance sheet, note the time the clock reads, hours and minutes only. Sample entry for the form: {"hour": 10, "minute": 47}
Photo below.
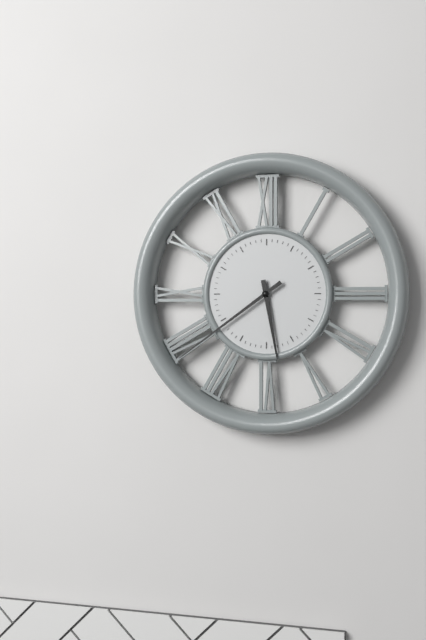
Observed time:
{"hour": 5, "minute": 39}
